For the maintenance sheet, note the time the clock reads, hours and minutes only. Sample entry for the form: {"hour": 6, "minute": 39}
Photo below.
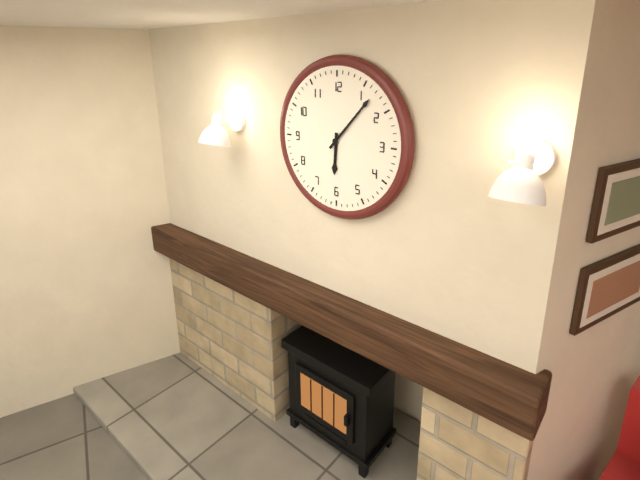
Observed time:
{"hour": 6, "minute": 7}
